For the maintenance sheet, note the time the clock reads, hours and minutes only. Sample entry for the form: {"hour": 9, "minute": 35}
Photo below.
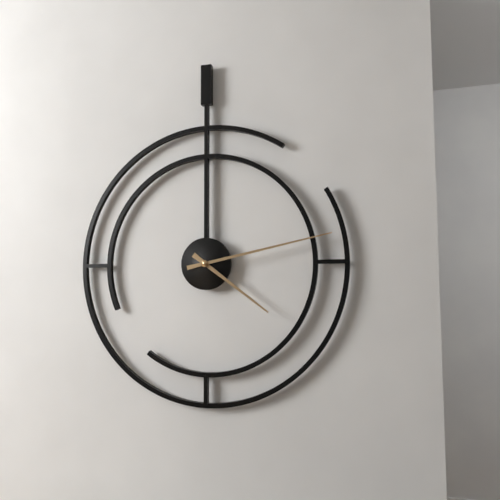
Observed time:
{"hour": 4, "minute": 13}
